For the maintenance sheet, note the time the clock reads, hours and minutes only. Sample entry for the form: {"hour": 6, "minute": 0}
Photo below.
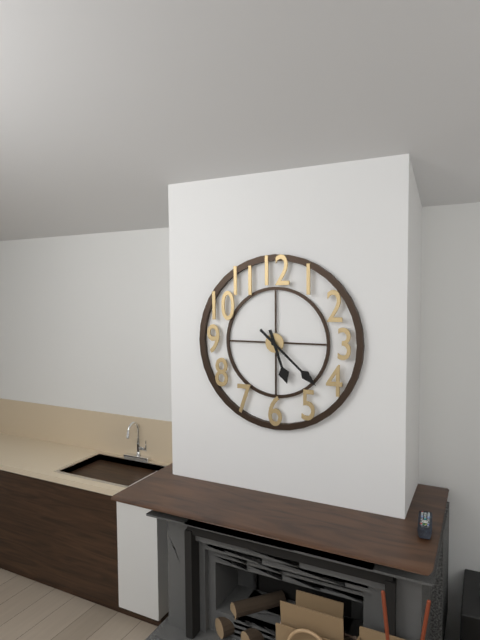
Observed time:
{"hour": 5, "minute": 22}
